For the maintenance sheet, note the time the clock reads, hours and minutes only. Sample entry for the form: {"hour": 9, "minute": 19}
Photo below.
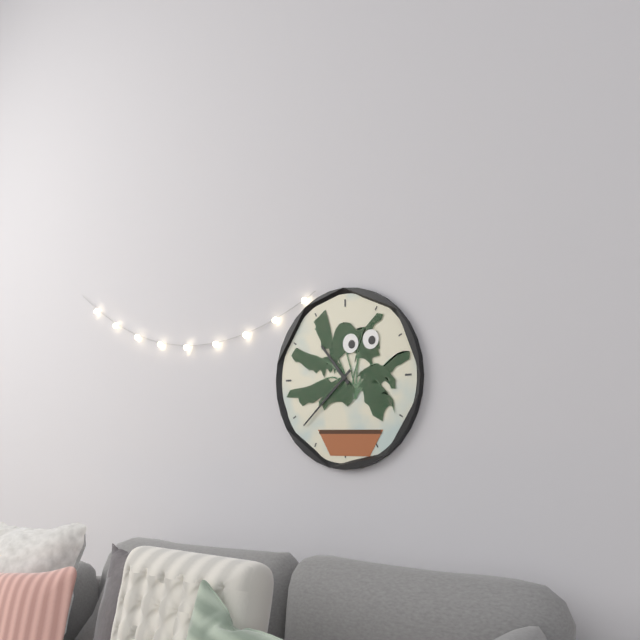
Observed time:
{"hour": 10, "minute": 38}
